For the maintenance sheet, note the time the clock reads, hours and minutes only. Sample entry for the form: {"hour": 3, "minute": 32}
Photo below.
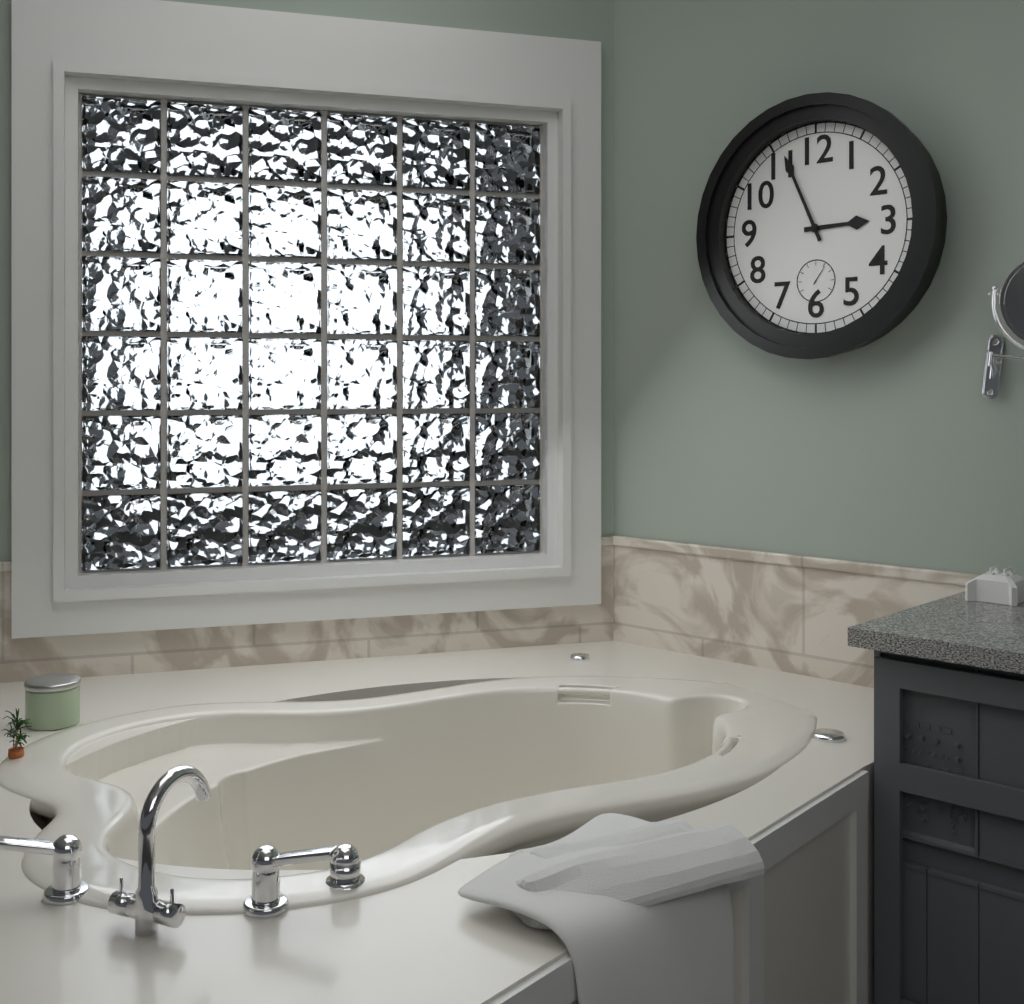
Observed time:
{"hour": 2, "minute": 56}
